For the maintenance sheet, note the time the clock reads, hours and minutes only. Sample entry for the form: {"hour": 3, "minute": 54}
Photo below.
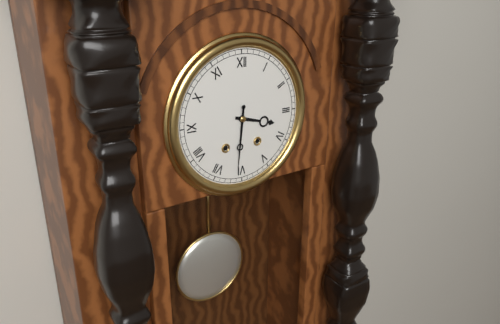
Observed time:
{"hour": 3, "minute": 31}
